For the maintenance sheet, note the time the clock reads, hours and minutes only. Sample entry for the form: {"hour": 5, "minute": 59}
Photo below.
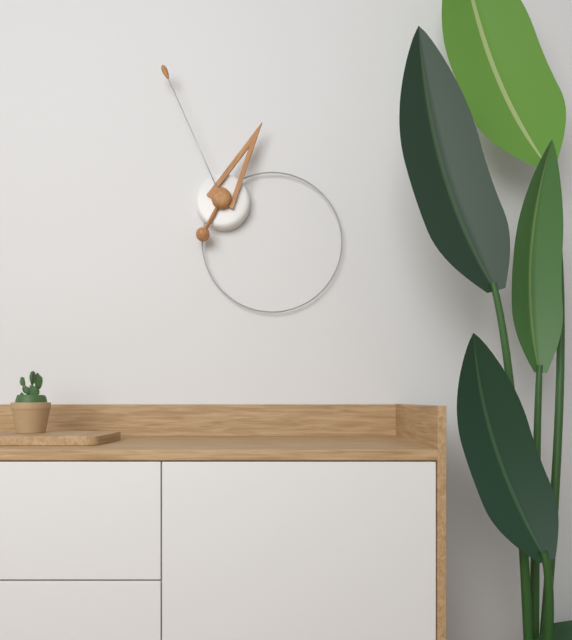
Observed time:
{"hour": 12, "minute": 56}
